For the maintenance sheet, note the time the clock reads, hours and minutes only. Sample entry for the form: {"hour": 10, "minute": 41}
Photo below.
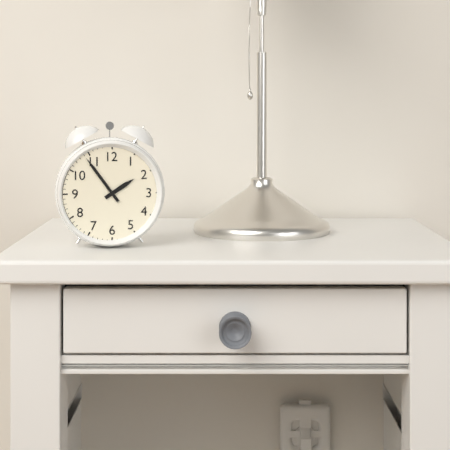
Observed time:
{"hour": 1, "minute": 54}
